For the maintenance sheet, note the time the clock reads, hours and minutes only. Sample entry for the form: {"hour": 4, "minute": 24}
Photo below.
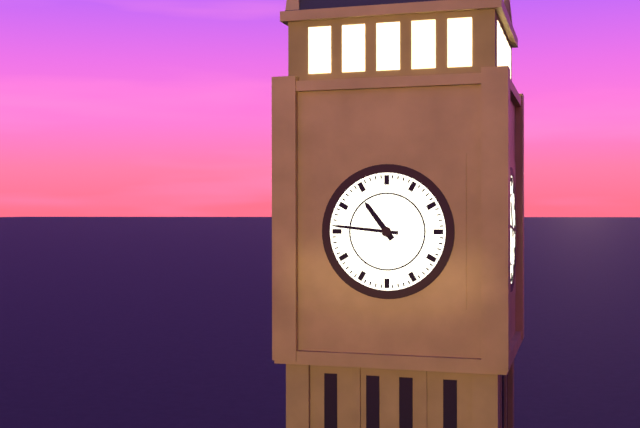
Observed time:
{"hour": 10, "minute": 46}
